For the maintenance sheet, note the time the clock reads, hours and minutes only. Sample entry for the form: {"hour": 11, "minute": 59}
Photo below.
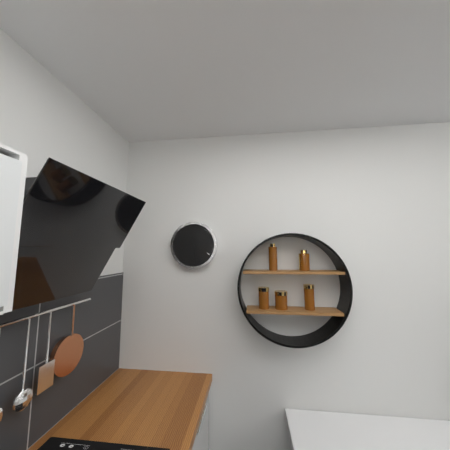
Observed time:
{"hour": 8, "minute": 28}
